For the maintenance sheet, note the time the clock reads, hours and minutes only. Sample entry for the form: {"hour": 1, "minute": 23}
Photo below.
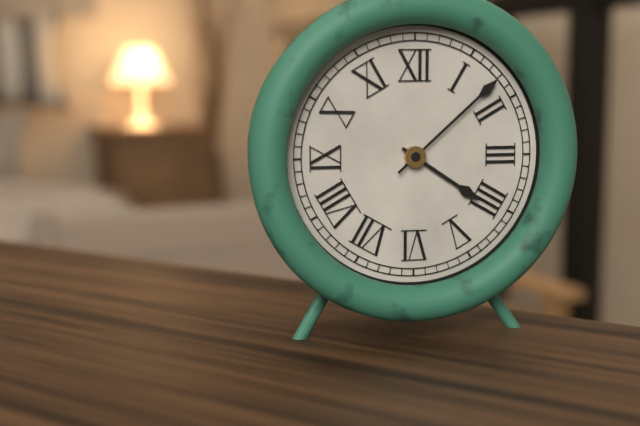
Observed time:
{"hour": 4, "minute": 8}
